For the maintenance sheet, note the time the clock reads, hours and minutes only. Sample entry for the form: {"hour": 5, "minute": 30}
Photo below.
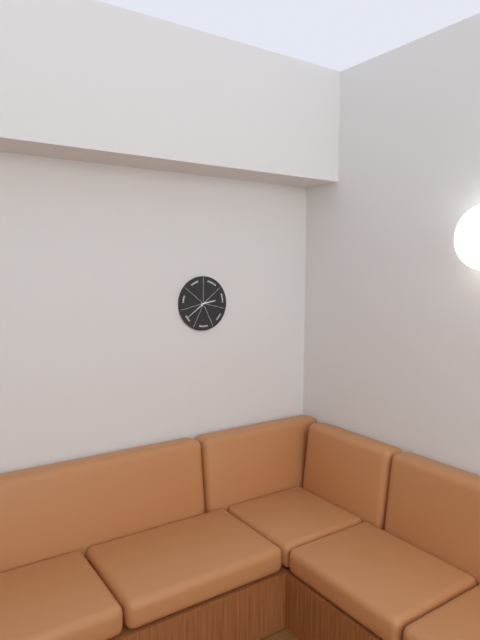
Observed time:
{"hour": 2, "minute": 39}
